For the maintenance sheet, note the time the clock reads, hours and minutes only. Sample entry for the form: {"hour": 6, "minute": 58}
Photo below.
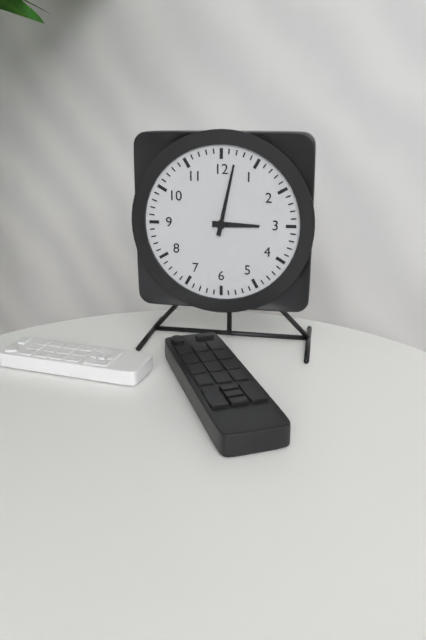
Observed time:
{"hour": 3, "minute": 2}
